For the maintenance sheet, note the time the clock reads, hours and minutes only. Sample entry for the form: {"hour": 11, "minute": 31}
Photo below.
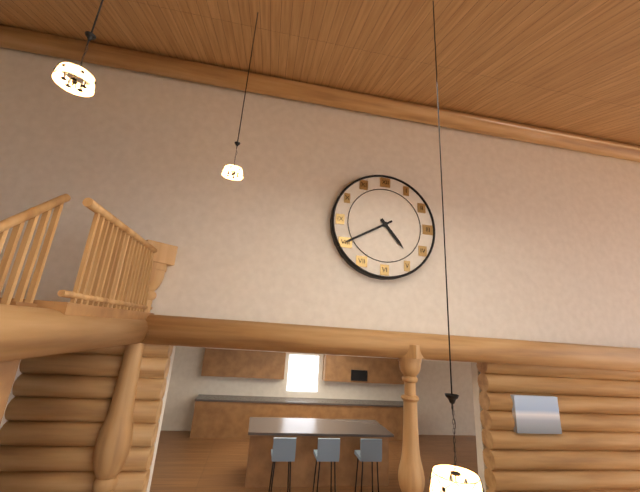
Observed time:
{"hour": 4, "minute": 40}
